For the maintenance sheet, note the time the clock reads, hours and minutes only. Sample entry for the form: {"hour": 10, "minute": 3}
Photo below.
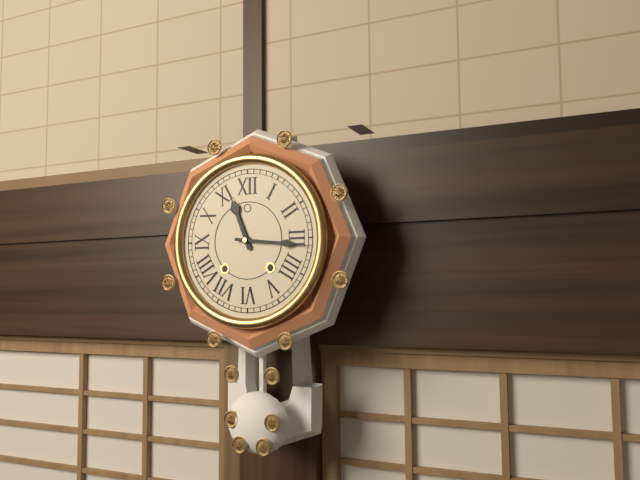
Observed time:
{"hour": 11, "minute": 16}
